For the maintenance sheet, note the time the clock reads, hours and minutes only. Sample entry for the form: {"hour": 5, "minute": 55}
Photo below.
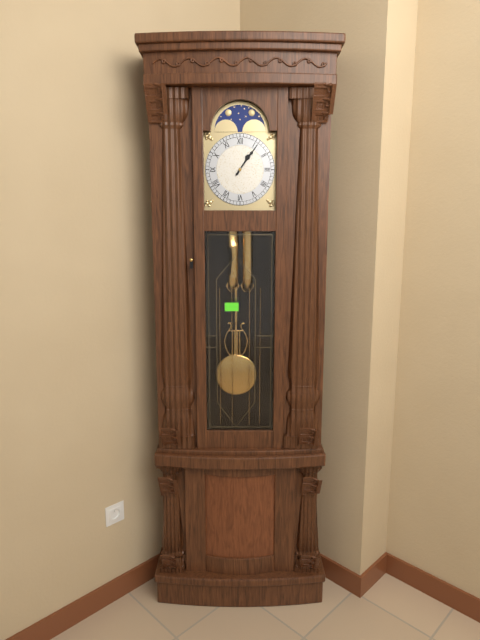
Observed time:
{"hour": 1, "minute": 6}
